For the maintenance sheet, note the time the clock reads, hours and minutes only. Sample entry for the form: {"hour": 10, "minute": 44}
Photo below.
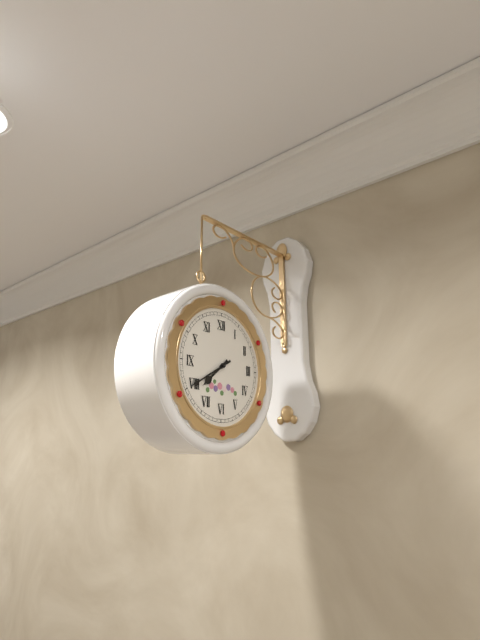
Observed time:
{"hour": 7, "minute": 40}
